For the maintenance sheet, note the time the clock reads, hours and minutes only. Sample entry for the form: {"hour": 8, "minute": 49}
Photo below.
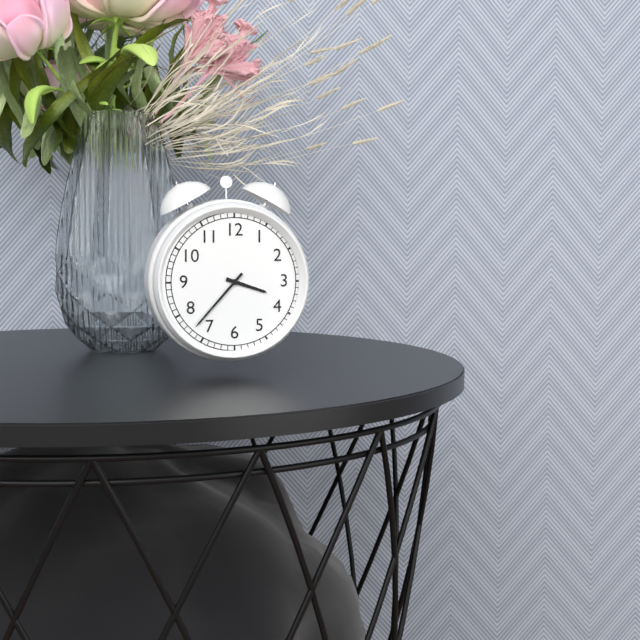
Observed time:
{"hour": 3, "minute": 37}
